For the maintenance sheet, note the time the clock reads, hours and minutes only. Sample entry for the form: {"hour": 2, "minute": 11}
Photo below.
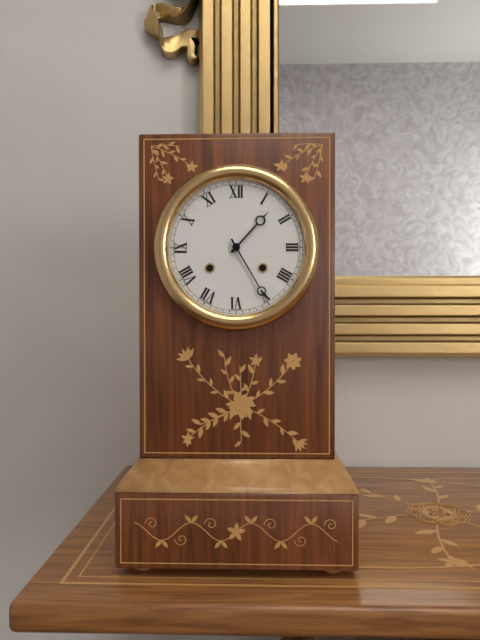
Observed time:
{"hour": 1, "minute": 25}
